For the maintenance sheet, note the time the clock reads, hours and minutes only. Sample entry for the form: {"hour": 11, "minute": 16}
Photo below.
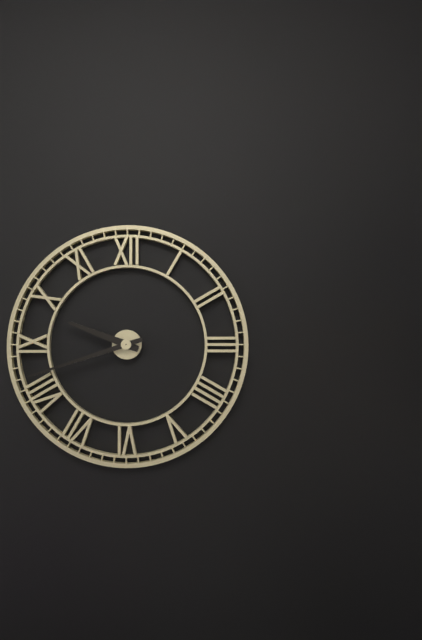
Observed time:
{"hour": 9, "minute": 42}
